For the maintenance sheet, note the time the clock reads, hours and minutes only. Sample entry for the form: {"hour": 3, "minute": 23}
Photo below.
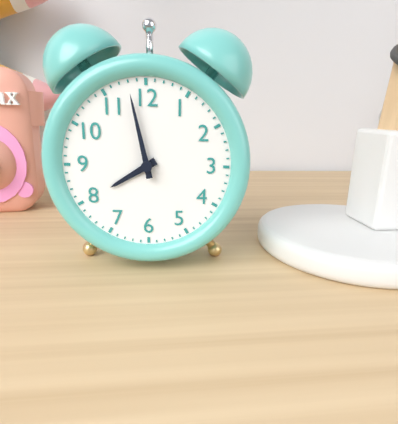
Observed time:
{"hour": 7, "minute": 58}
